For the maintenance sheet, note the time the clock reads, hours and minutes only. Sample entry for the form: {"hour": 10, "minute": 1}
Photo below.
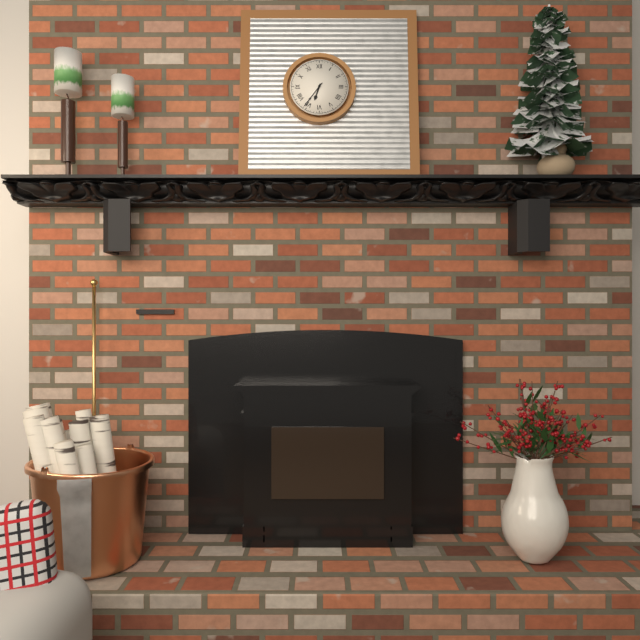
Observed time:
{"hour": 6, "minute": 36}
